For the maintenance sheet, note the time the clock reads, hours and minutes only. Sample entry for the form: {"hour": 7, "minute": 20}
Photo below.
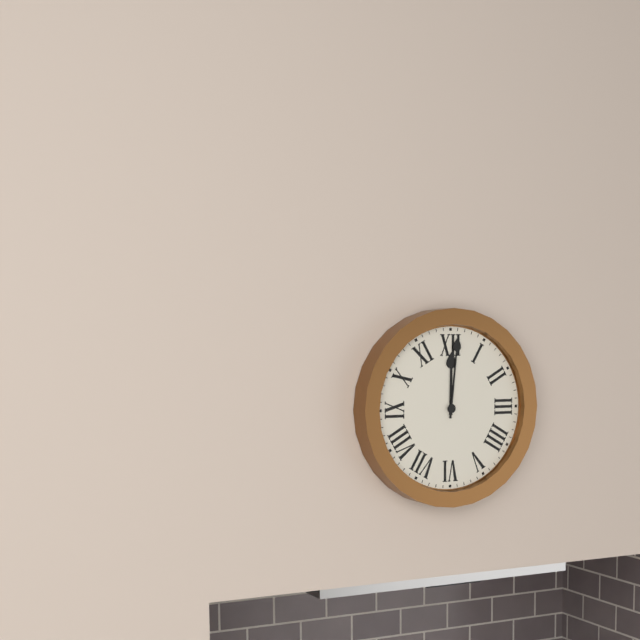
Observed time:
{"hour": 12, "minute": 1}
